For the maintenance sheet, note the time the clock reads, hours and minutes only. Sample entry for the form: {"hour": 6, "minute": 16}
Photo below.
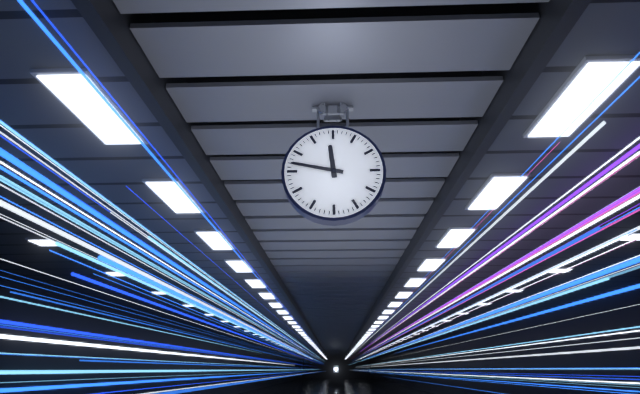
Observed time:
{"hour": 11, "minute": 47}
